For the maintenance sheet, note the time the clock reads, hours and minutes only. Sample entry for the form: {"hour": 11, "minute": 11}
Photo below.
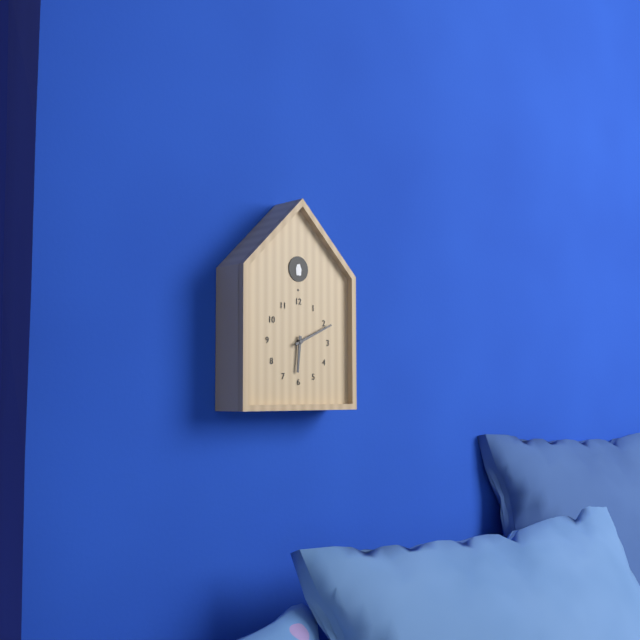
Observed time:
{"hour": 6, "minute": 11}
